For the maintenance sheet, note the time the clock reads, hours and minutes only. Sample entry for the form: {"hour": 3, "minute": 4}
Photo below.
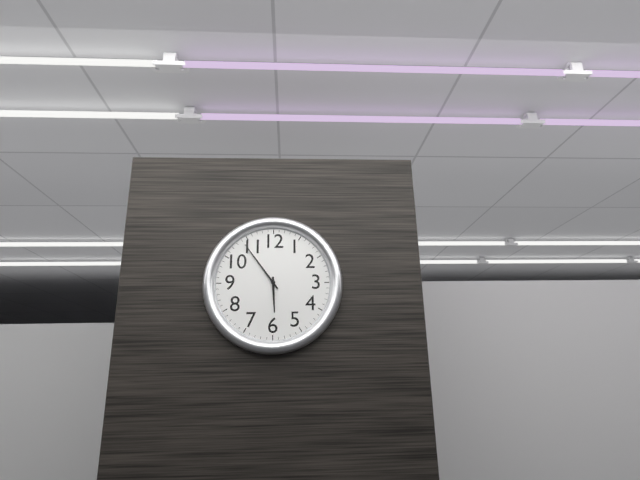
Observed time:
{"hour": 5, "minute": 54}
